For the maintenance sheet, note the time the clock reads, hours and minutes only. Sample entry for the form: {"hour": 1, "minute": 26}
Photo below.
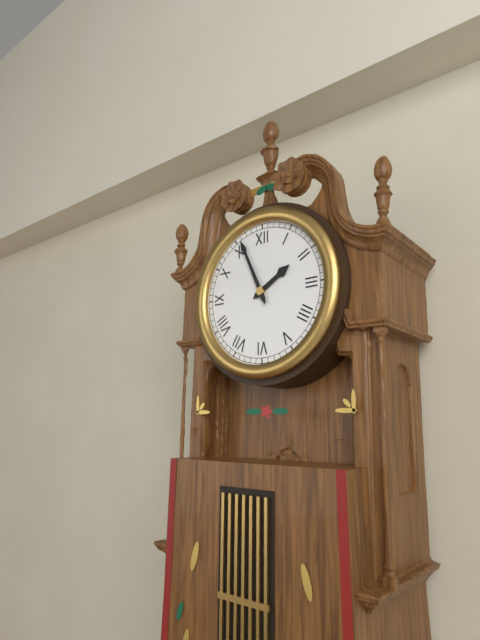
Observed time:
{"hour": 1, "minute": 56}
